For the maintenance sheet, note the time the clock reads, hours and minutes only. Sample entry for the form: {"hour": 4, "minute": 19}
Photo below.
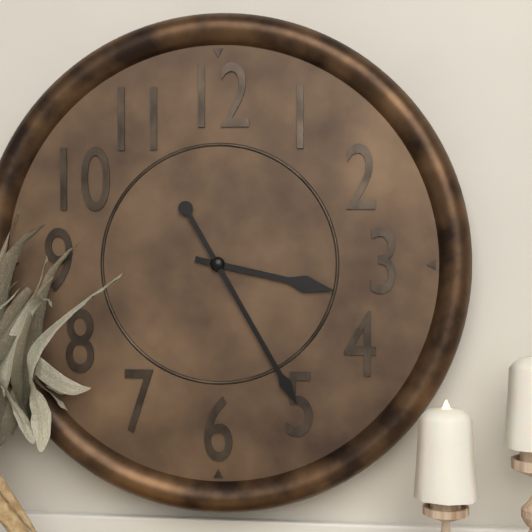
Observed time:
{"hour": 3, "minute": 25}
